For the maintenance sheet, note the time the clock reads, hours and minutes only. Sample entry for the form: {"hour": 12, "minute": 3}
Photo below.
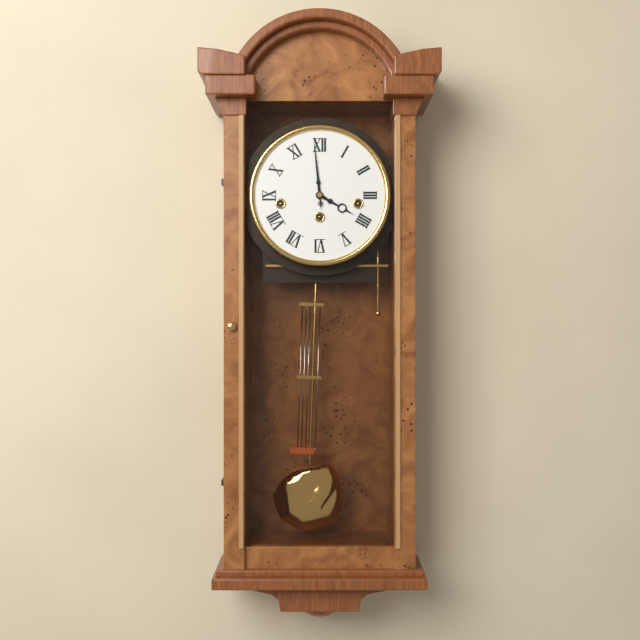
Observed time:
{"hour": 3, "minute": 59}
